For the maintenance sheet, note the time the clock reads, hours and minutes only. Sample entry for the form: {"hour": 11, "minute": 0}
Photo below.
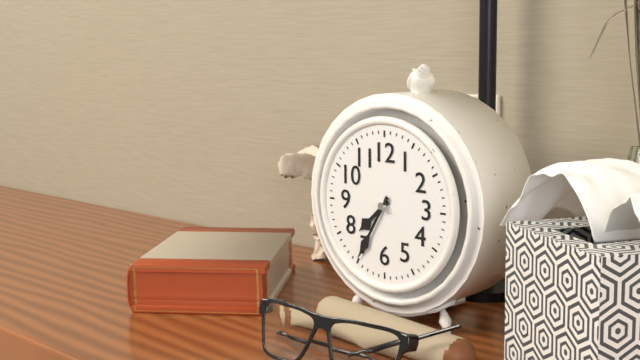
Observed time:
{"hour": 7, "minute": 35}
